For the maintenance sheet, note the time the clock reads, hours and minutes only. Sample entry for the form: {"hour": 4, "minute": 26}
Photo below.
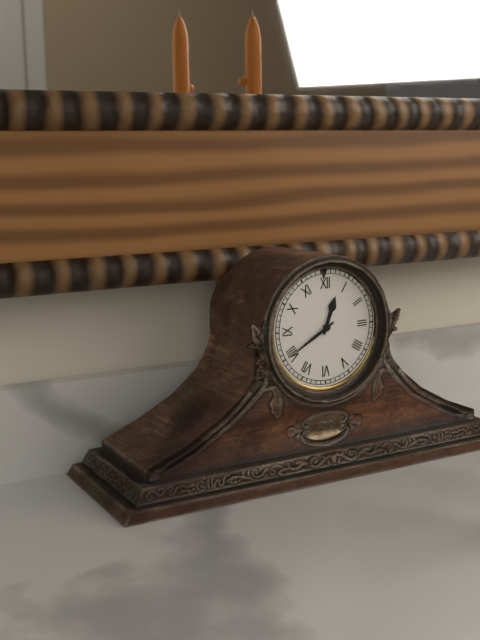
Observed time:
{"hour": 12, "minute": 40}
